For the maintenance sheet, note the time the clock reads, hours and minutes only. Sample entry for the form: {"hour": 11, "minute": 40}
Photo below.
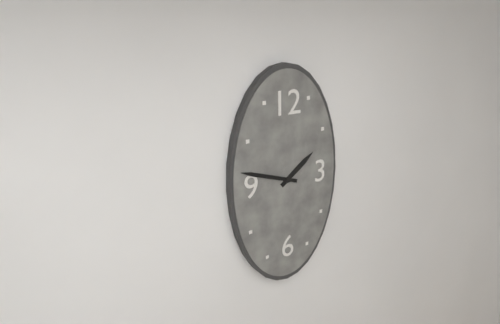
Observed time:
{"hour": 1, "minute": 48}
